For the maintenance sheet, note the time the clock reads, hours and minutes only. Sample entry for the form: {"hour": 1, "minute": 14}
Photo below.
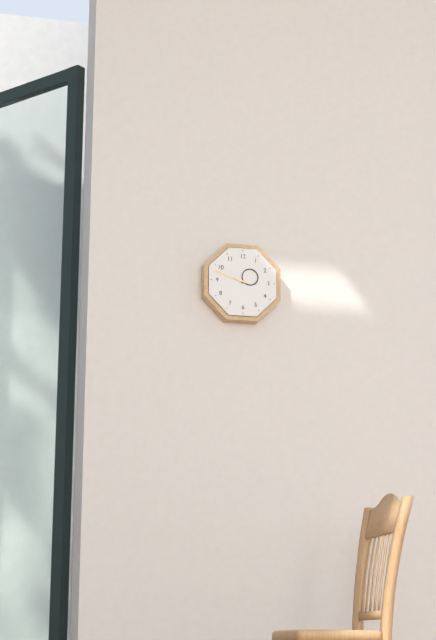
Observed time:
{"hour": 1, "minute": 48}
